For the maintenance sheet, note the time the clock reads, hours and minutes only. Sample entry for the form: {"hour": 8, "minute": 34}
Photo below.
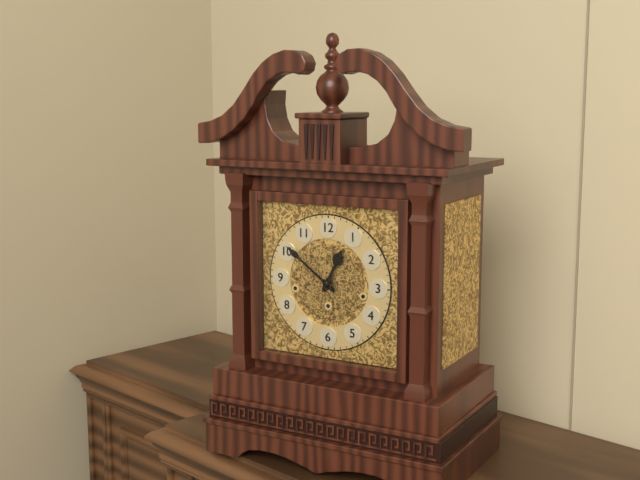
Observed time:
{"hour": 12, "minute": 51}
